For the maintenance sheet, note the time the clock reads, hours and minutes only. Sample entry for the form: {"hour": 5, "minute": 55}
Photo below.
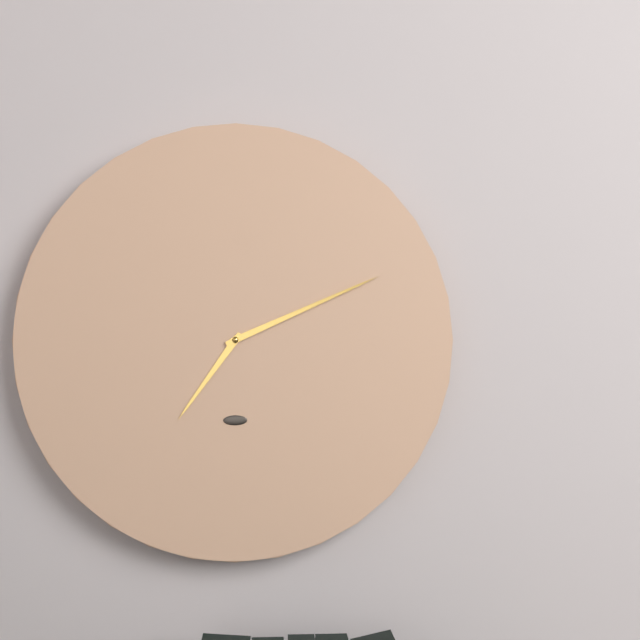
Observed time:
{"hour": 7, "minute": 11}
